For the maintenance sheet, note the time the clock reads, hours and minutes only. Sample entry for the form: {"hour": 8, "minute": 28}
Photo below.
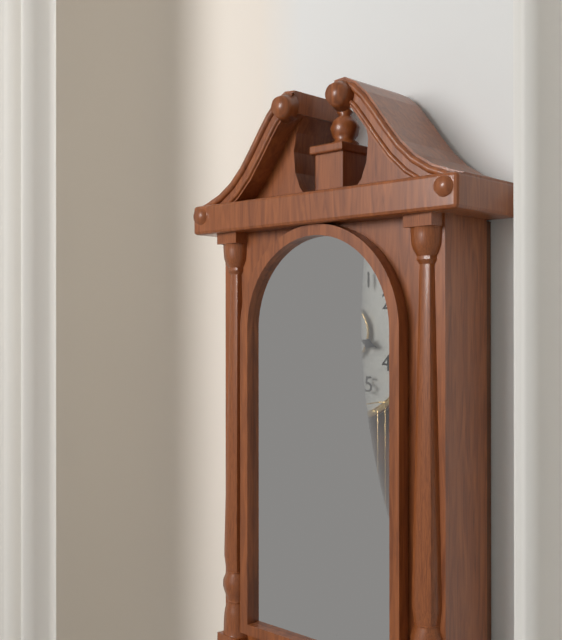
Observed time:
{"hour": 3, "minute": 38}
